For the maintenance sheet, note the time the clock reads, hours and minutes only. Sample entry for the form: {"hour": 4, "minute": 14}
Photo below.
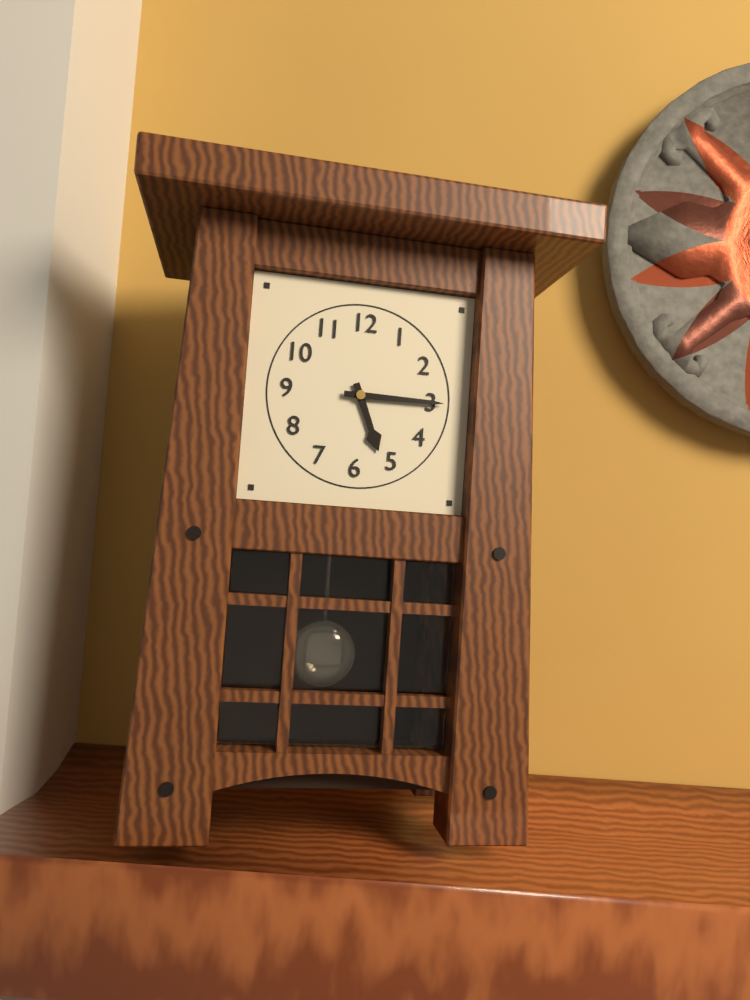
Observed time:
{"hour": 5, "minute": 15}
